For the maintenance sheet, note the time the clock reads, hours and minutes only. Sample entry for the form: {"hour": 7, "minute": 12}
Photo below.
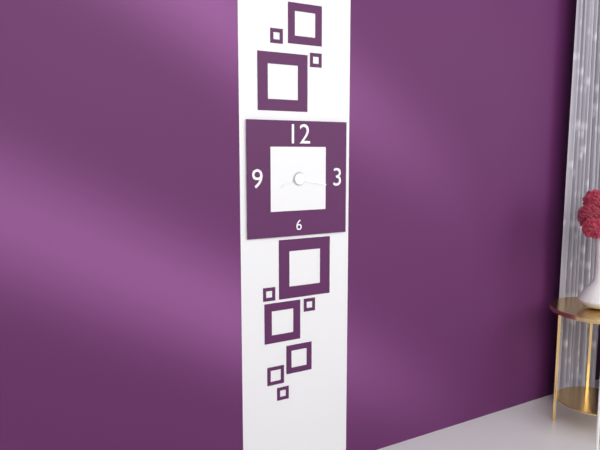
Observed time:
{"hour": 8, "minute": 17}
